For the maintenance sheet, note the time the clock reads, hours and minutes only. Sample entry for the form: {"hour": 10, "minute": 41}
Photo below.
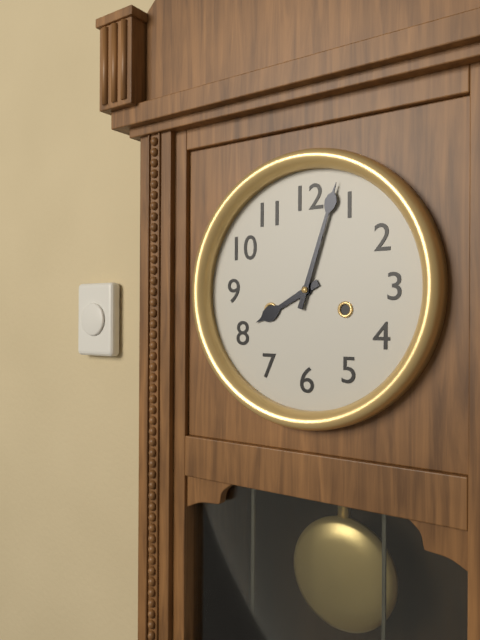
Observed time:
{"hour": 8, "minute": 3}
